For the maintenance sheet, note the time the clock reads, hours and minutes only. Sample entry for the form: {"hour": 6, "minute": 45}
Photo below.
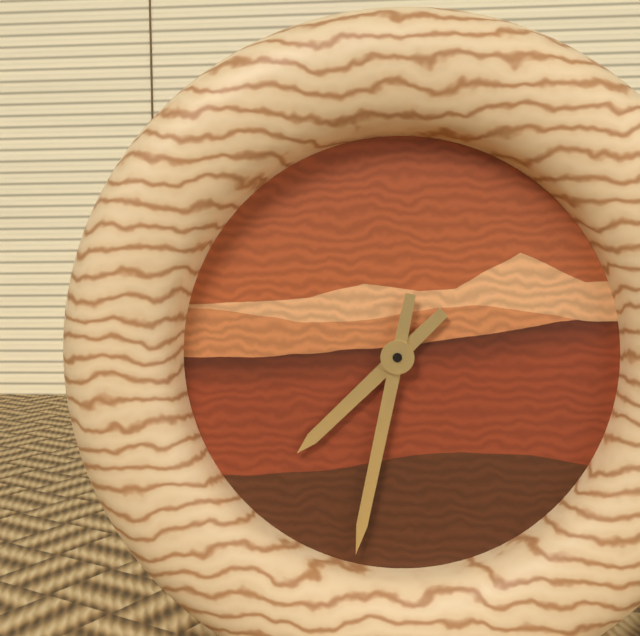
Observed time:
{"hour": 7, "minute": 32}
